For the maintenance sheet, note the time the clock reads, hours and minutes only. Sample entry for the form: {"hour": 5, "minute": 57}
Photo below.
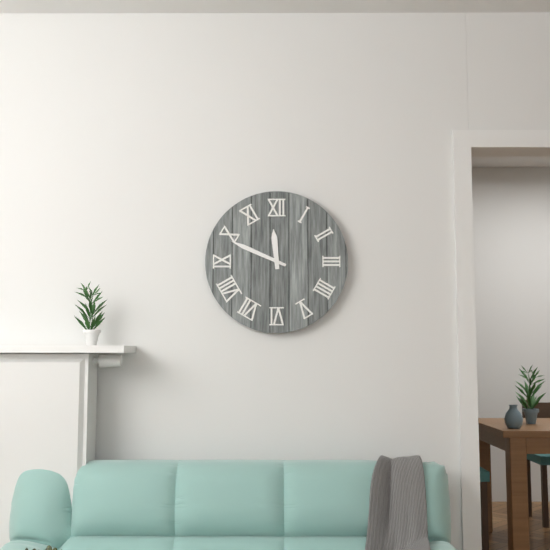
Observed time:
{"hour": 11, "minute": 49}
